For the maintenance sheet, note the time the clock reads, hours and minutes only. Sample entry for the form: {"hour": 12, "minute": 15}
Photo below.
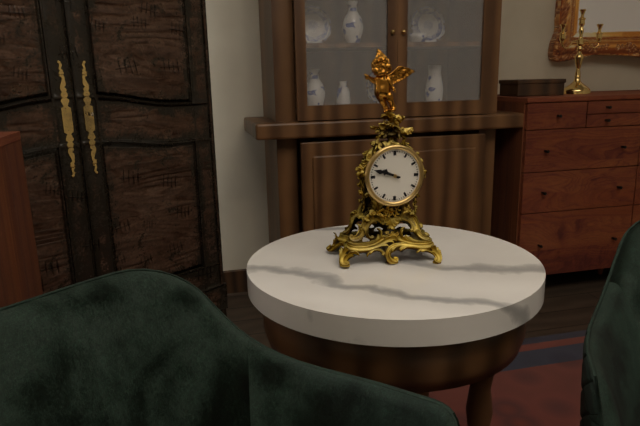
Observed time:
{"hour": 9, "minute": 48}
